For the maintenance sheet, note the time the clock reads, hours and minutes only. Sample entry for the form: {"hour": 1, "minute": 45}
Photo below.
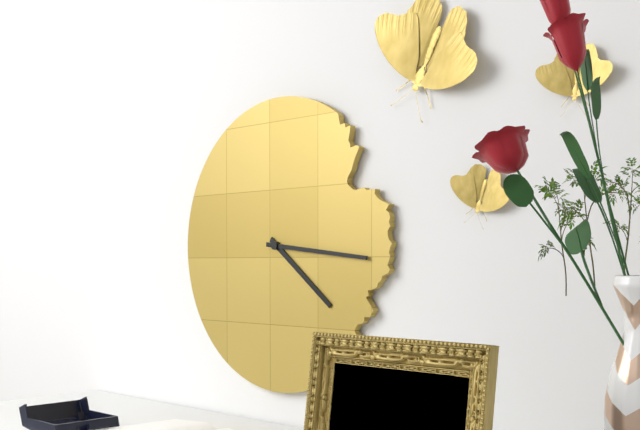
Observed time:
{"hour": 4, "minute": 16}
